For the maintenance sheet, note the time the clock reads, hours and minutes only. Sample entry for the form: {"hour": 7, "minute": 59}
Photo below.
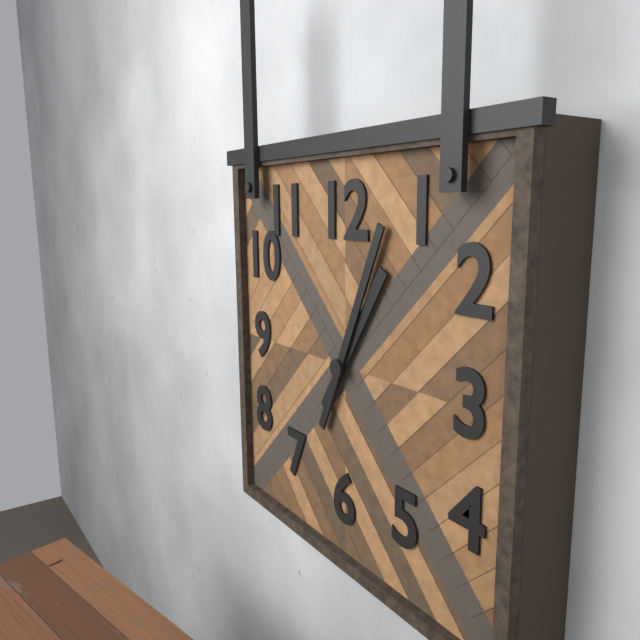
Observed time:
{"hour": 1, "minute": 4}
